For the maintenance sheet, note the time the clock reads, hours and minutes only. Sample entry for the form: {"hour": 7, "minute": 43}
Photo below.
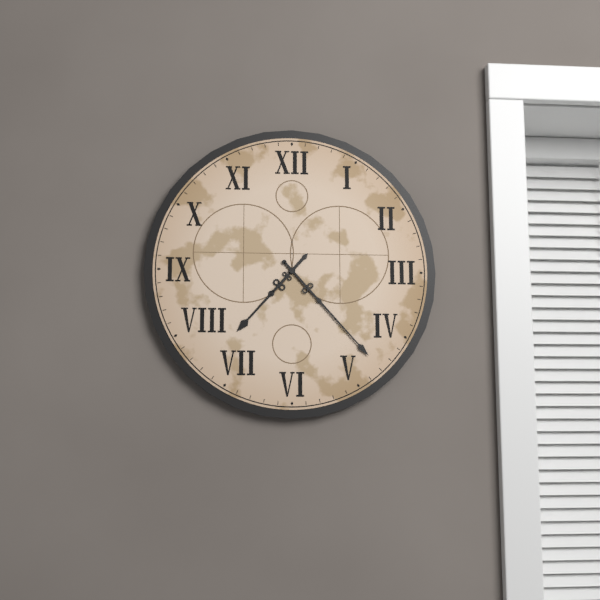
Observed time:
{"hour": 7, "minute": 23}
